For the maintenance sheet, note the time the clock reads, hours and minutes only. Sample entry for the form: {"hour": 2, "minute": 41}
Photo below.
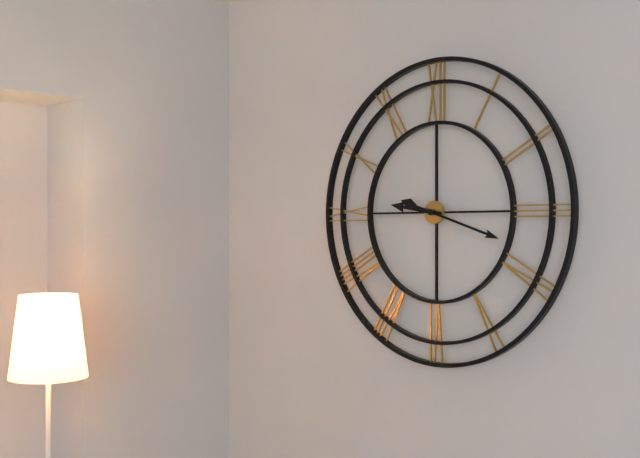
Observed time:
{"hour": 9, "minute": 18}
